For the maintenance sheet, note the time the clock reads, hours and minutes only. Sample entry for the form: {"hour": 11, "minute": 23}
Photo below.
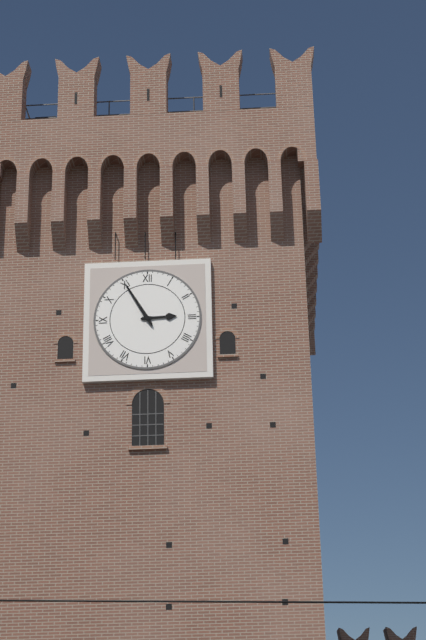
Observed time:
{"hour": 2, "minute": 55}
